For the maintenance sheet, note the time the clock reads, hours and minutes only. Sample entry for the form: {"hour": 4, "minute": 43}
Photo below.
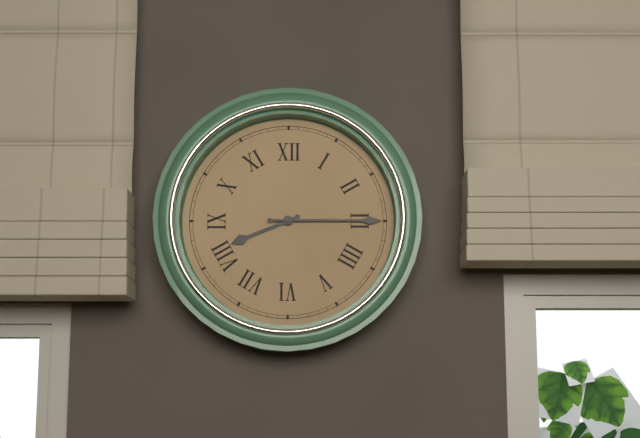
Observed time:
{"hour": 8, "minute": 15}
